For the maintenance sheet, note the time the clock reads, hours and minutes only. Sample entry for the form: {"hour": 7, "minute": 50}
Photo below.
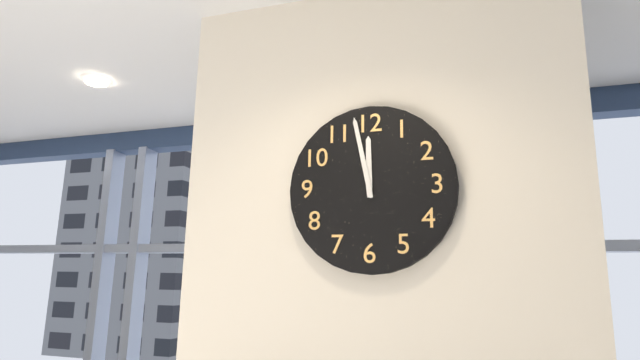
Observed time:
{"hour": 11, "minute": 58}
